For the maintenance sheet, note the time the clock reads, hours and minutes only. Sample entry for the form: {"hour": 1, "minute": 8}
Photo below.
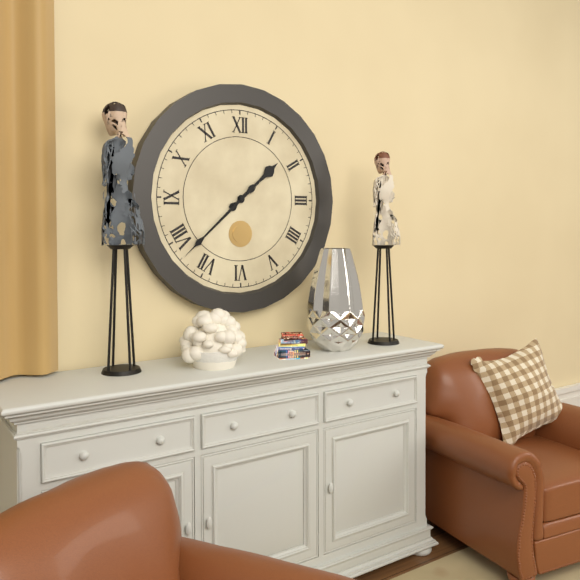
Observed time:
{"hour": 1, "minute": 38}
